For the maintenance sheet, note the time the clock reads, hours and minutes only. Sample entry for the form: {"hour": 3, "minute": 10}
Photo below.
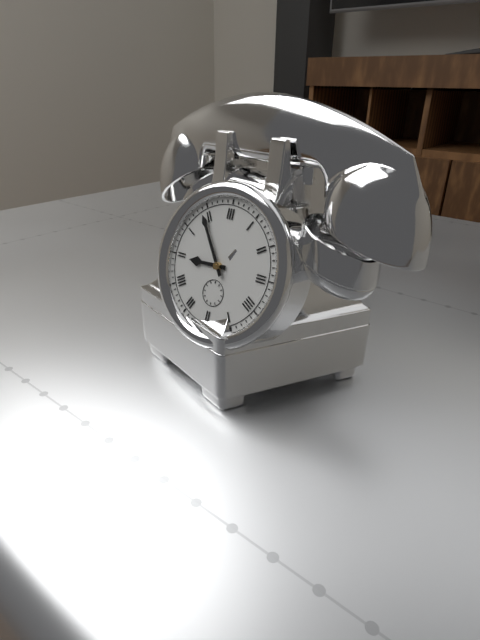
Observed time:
{"hour": 8, "minute": 54}
